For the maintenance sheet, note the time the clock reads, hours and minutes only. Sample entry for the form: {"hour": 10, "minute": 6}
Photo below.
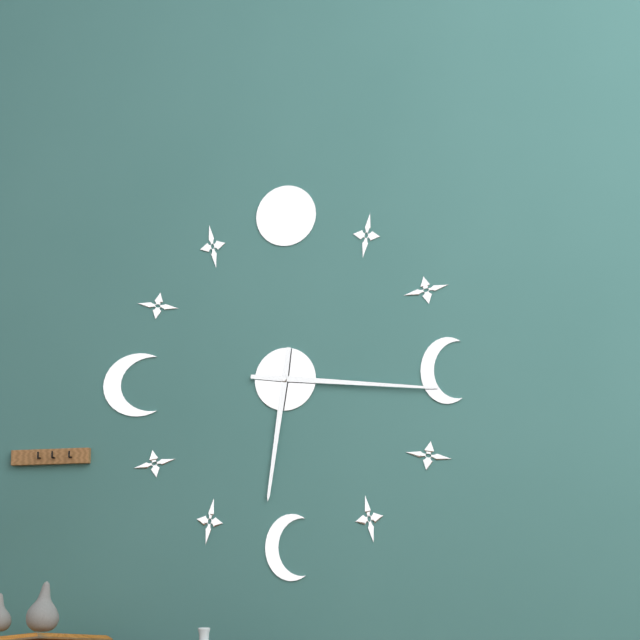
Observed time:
{"hour": 6, "minute": 16}
